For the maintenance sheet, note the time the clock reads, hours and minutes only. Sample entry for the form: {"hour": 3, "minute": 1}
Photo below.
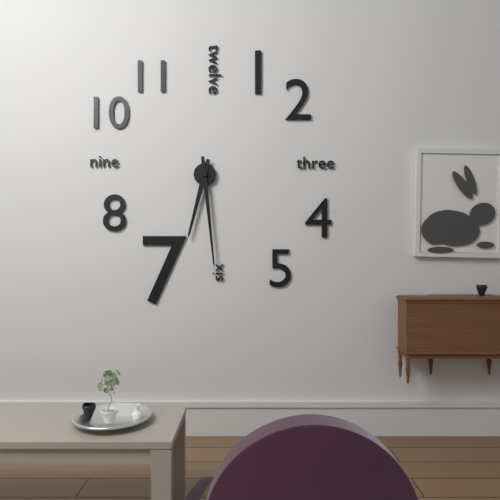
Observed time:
{"hour": 6, "minute": 29}
